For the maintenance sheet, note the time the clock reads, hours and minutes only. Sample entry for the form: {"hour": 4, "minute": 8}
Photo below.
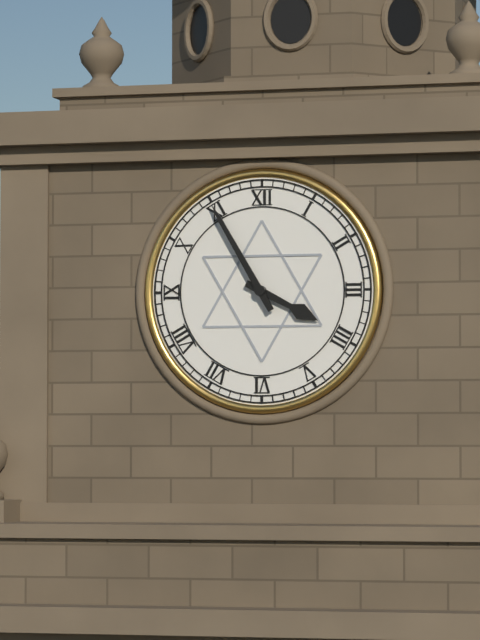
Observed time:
{"hour": 3, "minute": 55}
